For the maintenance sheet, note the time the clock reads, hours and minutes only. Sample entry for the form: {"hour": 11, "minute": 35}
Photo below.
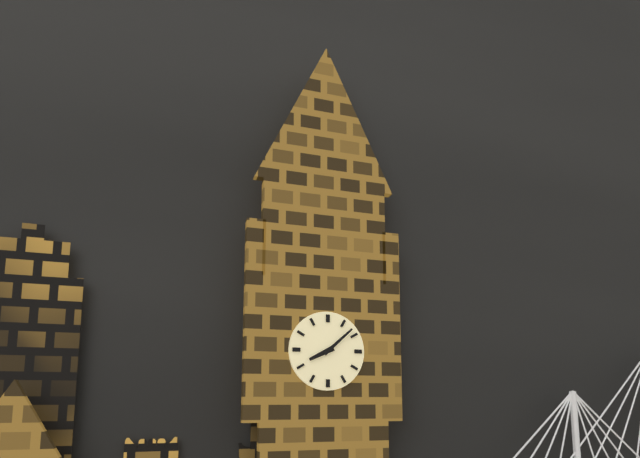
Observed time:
{"hour": 8, "minute": 8}
